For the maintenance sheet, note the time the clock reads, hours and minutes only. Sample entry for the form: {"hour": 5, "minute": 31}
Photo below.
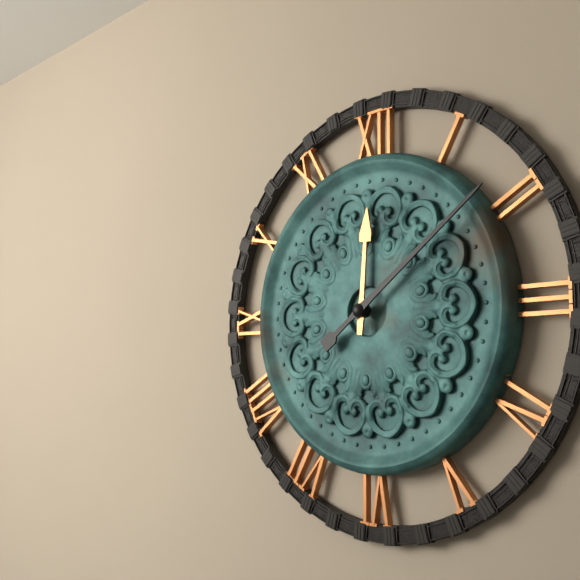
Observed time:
{"hour": 12, "minute": 9}
